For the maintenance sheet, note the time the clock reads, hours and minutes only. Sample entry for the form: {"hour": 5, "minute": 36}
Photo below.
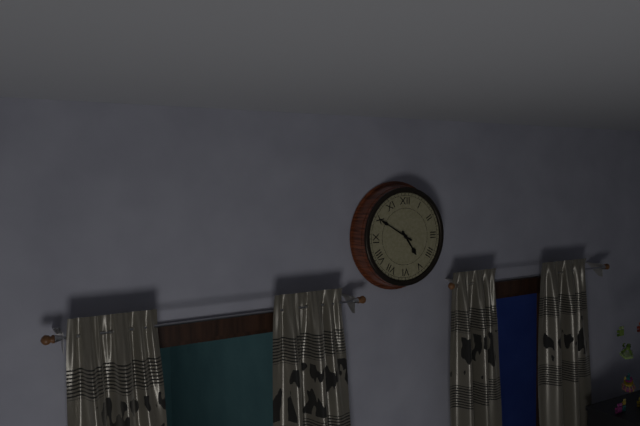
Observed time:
{"hour": 4, "minute": 50}
